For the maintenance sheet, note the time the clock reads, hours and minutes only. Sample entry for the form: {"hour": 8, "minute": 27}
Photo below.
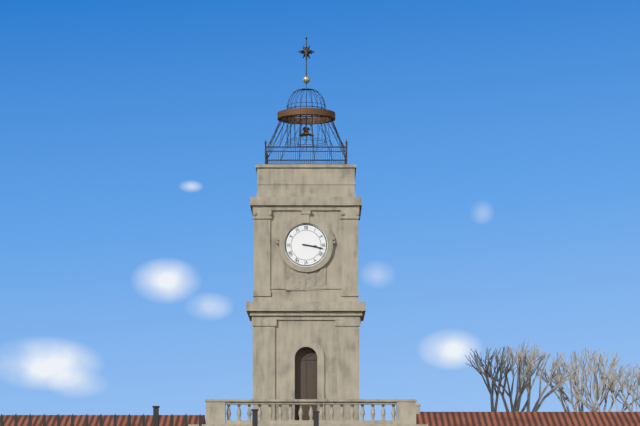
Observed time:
{"hour": 3, "minute": 17}
